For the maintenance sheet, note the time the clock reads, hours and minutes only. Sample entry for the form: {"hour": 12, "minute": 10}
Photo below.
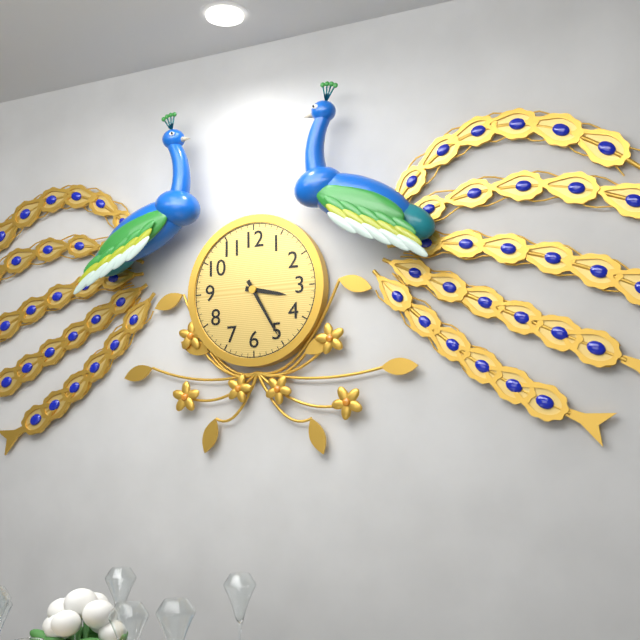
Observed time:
{"hour": 3, "minute": 25}
